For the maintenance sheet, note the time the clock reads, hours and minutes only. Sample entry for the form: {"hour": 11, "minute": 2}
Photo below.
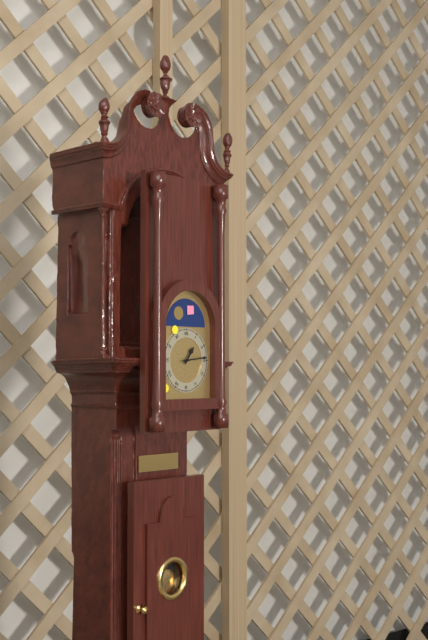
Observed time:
{"hour": 1, "minute": 14}
